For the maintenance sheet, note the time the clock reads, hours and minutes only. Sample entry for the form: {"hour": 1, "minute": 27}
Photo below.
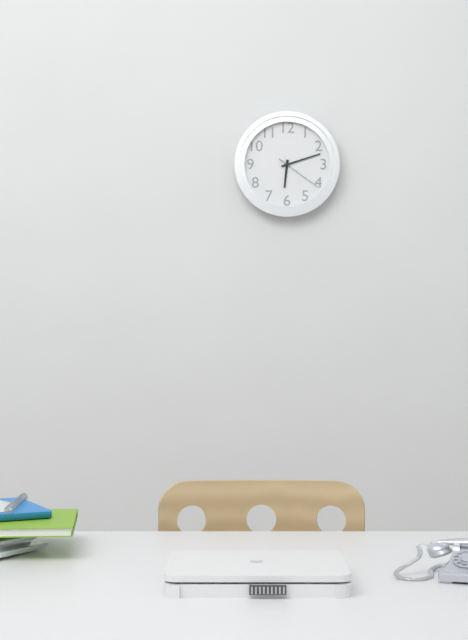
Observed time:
{"hour": 6, "minute": 12}
